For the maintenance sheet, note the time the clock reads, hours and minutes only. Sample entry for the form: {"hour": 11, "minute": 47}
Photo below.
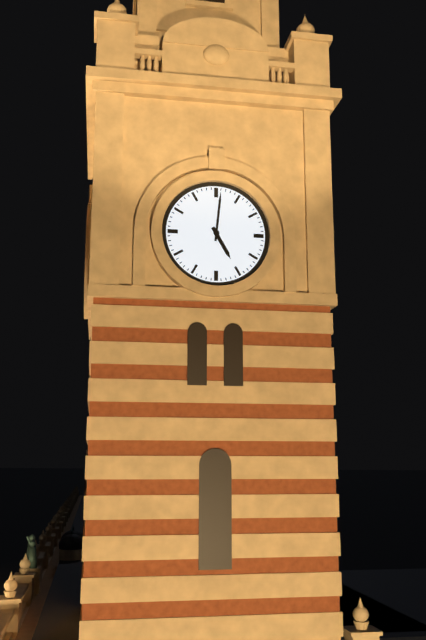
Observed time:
{"hour": 5, "minute": 1}
